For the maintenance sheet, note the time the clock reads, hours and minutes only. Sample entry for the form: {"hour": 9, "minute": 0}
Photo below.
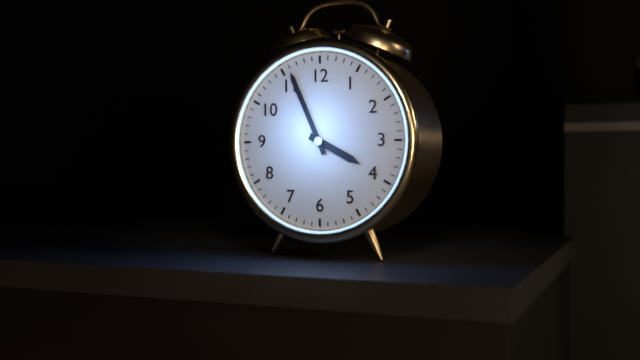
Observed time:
{"hour": 3, "minute": 56}
